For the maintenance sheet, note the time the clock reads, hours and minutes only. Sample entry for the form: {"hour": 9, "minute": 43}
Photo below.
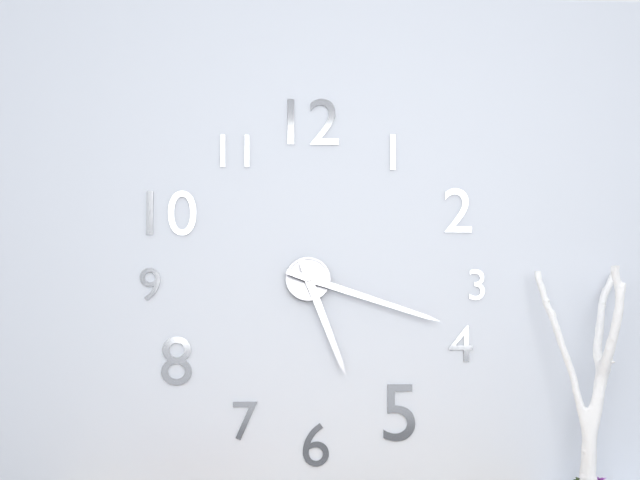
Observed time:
{"hour": 5, "minute": 18}
